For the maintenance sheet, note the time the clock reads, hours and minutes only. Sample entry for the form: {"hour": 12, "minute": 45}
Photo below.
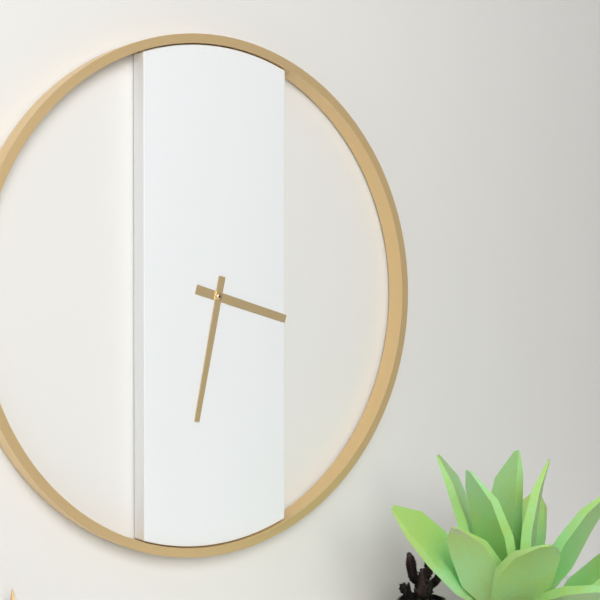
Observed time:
{"hour": 3, "minute": 32}
